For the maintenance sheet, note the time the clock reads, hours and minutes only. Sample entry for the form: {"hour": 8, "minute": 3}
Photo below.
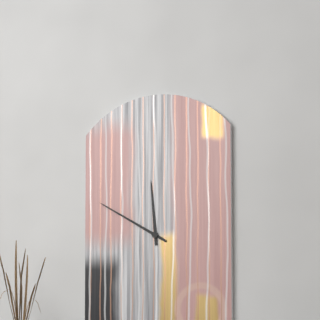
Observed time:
{"hour": 11, "minute": 50}
